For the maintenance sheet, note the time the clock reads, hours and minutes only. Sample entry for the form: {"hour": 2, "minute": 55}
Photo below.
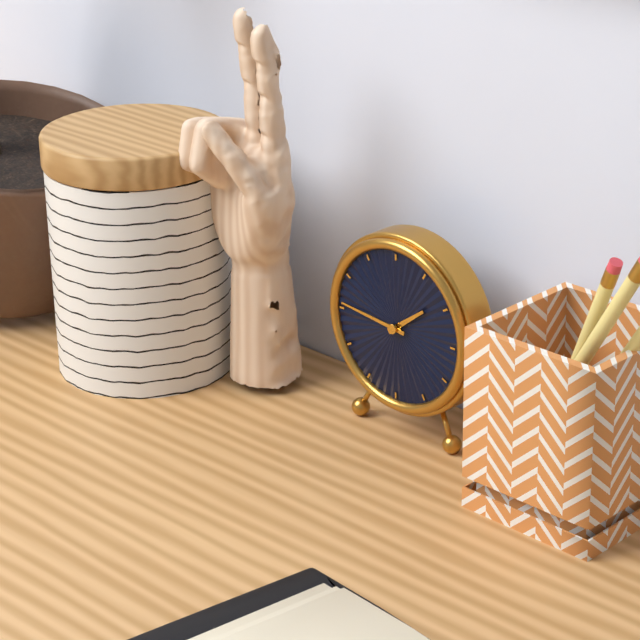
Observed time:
{"hour": 1, "minute": 46}
